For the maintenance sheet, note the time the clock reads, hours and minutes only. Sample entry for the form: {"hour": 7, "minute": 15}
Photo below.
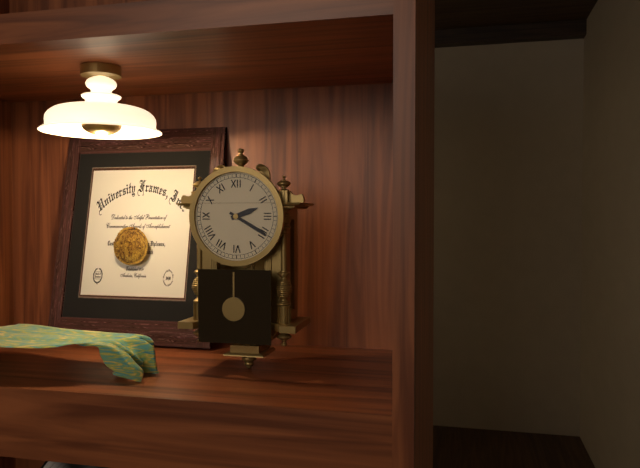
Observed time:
{"hour": 2, "minute": 20}
